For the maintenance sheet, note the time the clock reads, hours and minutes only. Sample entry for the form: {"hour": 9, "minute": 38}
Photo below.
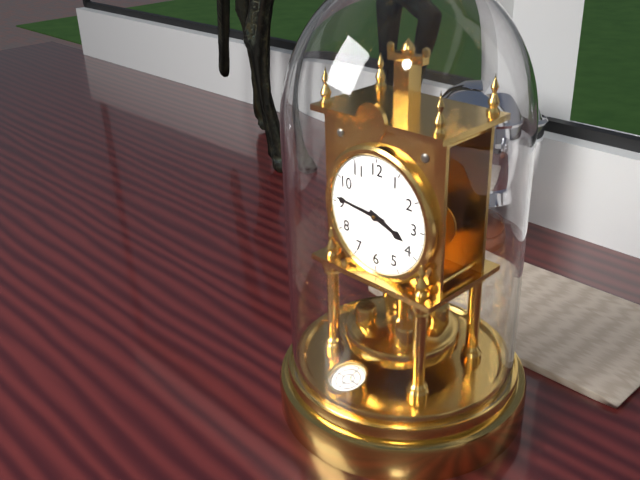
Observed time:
{"hour": 3, "minute": 46}
